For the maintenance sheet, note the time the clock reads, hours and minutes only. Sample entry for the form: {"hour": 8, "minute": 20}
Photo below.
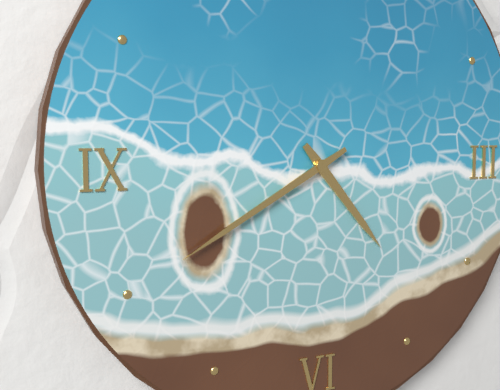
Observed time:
{"hour": 4, "minute": 40}
